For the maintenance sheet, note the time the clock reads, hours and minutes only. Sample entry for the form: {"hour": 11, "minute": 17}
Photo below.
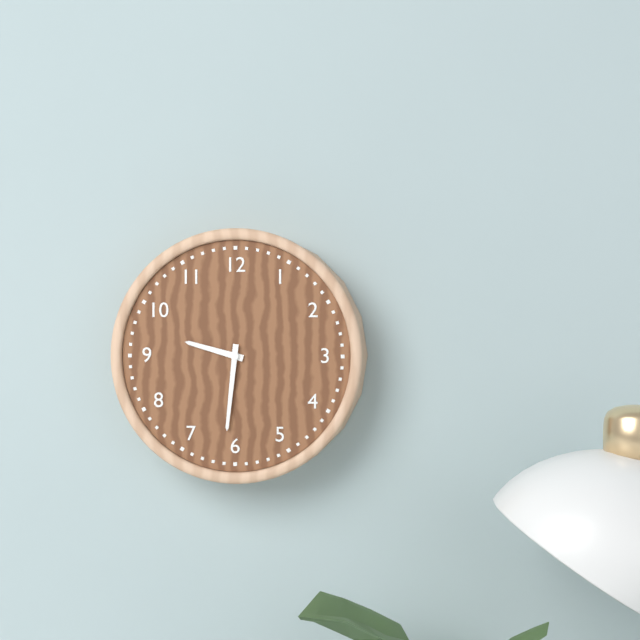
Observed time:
{"hour": 9, "minute": 31}
